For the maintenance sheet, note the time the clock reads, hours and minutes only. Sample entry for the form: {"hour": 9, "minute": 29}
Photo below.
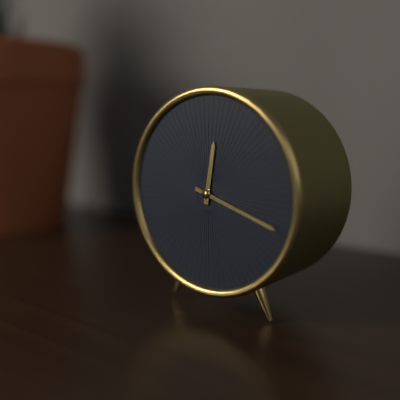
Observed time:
{"hour": 12, "minute": 18}
